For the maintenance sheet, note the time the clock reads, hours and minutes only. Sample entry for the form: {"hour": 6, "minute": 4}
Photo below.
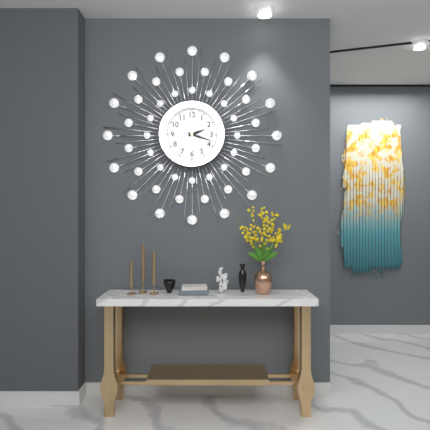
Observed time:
{"hour": 2, "minute": 18}
